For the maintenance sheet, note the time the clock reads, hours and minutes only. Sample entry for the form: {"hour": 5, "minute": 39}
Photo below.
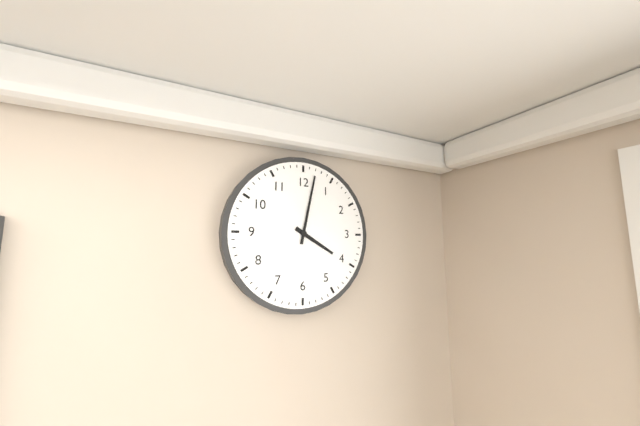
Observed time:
{"hour": 4, "minute": 2}
